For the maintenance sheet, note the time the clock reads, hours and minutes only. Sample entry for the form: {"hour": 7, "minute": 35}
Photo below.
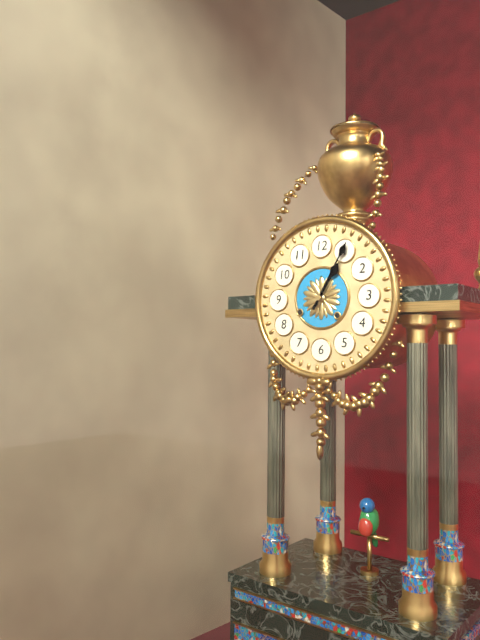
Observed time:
{"hour": 1, "minute": 5}
